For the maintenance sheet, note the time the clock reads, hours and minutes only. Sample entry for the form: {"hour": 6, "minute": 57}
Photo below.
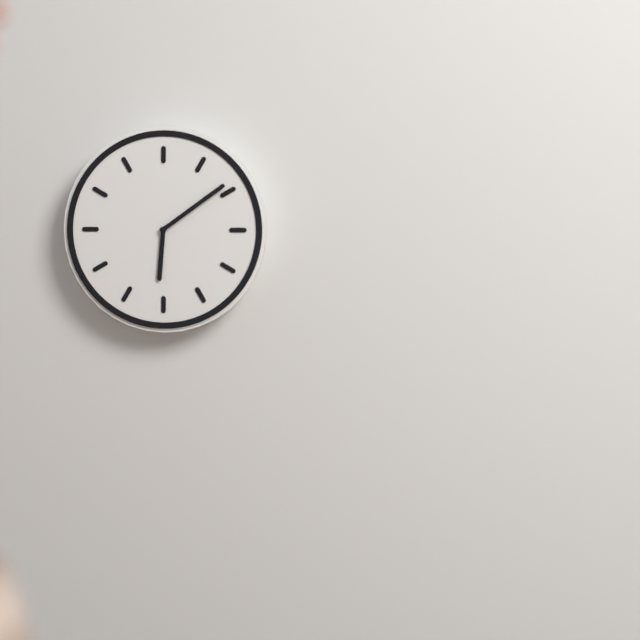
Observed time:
{"hour": 6, "minute": 9}
